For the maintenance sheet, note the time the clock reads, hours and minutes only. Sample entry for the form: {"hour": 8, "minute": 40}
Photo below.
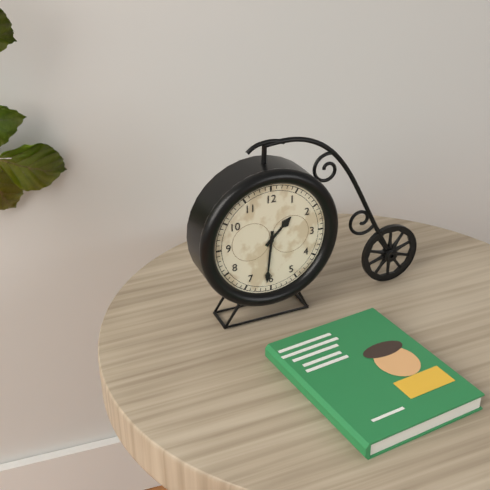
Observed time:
{"hour": 1, "minute": 31}
